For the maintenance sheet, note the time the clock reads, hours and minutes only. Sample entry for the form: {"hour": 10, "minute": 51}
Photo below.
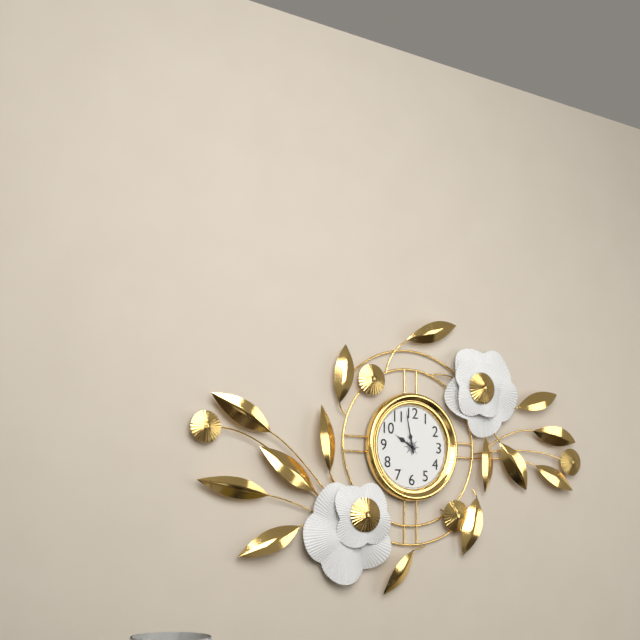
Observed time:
{"hour": 9, "minute": 58}
